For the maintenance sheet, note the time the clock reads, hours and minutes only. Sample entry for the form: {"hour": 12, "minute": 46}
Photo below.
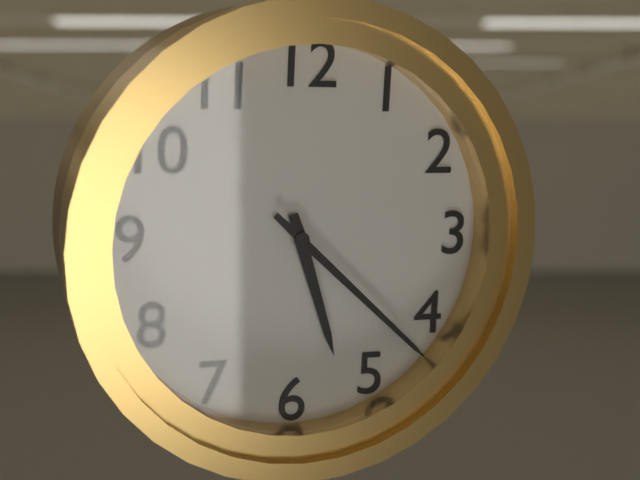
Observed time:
{"hour": 5, "minute": 22}
